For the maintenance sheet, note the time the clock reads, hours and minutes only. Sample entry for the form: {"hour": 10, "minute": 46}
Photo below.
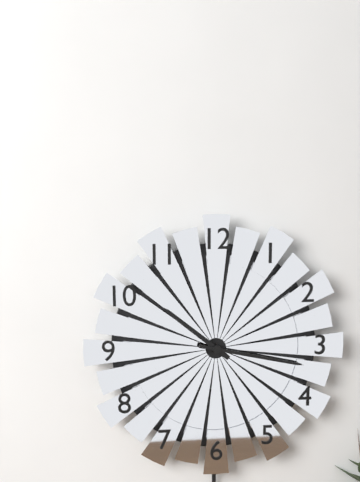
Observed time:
{"hour": 10, "minute": 17}
